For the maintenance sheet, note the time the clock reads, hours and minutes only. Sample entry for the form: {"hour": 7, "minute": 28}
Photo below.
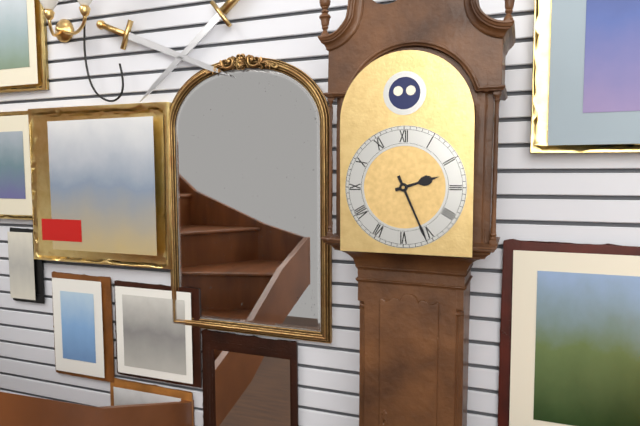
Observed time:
{"hour": 2, "minute": 26}
